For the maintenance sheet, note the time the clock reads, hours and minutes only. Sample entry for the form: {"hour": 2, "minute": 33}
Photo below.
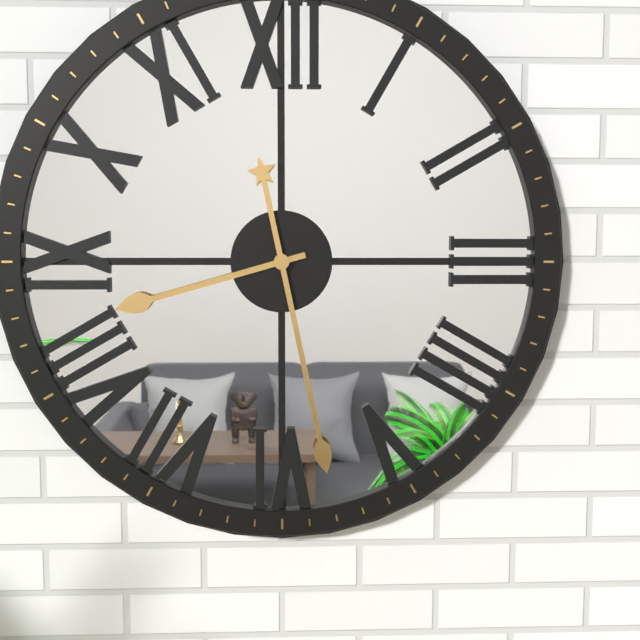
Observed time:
{"hour": 8, "minute": 28}
